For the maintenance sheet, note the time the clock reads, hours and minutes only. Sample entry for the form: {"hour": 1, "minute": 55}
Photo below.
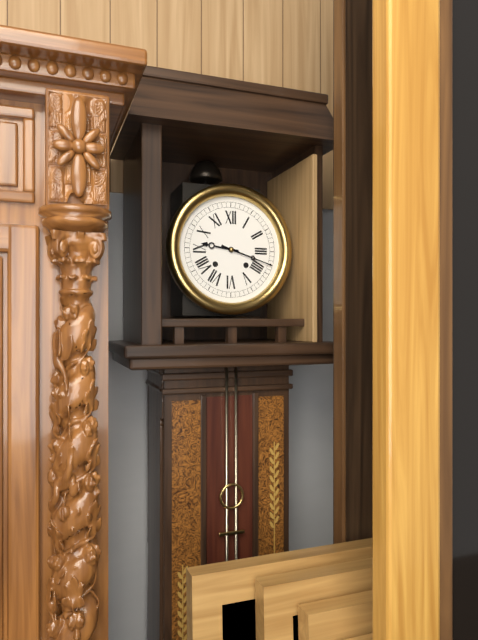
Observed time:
{"hour": 9, "minute": 18}
